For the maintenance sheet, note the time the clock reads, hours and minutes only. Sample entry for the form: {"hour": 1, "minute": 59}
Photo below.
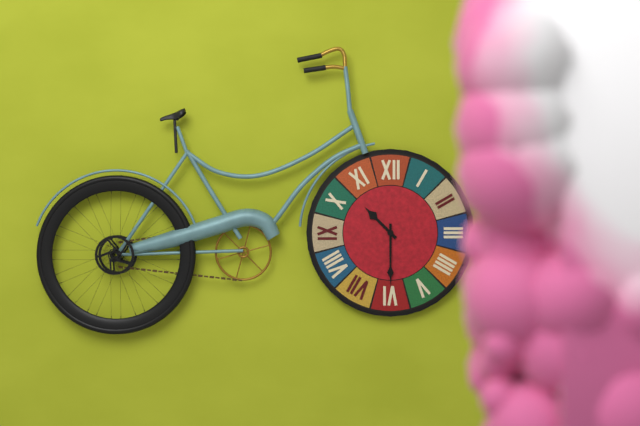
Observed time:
{"hour": 10, "minute": 30}
